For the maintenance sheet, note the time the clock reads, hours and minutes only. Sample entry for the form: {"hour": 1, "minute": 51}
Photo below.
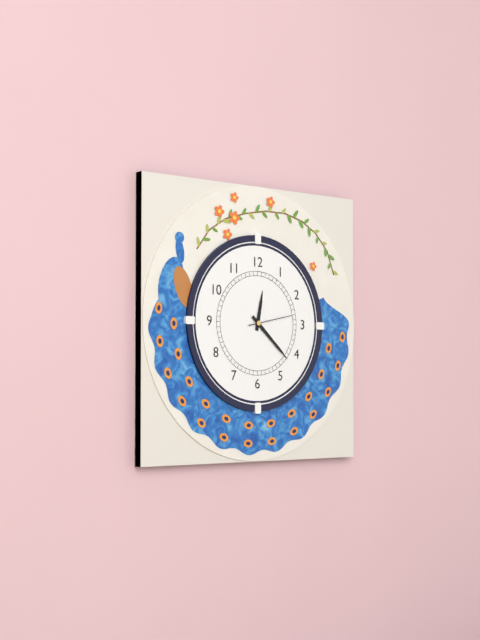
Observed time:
{"hour": 12, "minute": 22}
